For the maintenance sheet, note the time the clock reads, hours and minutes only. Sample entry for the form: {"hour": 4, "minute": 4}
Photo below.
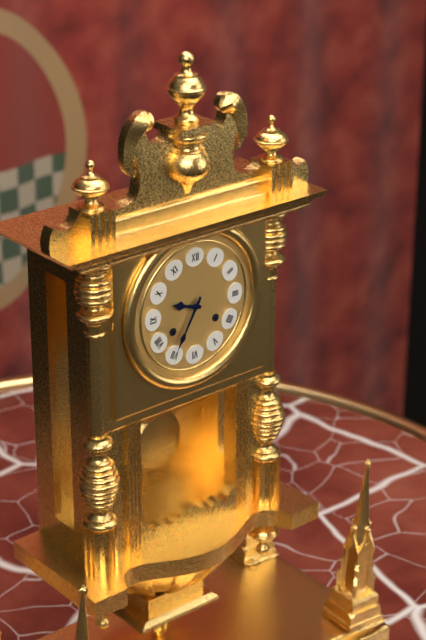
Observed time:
{"hour": 9, "minute": 35}
